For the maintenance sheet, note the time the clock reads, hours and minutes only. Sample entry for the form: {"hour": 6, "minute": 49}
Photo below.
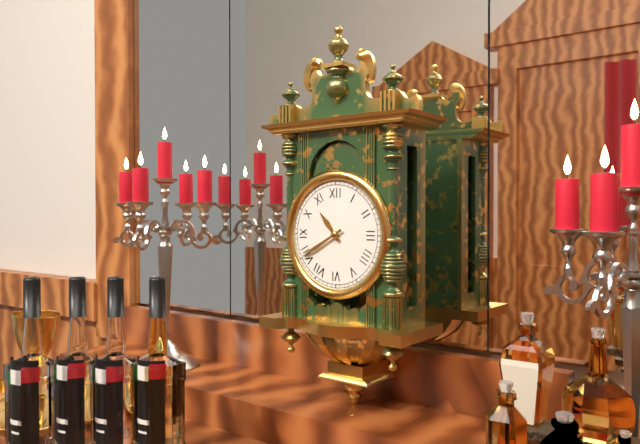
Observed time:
{"hour": 10, "minute": 40}
